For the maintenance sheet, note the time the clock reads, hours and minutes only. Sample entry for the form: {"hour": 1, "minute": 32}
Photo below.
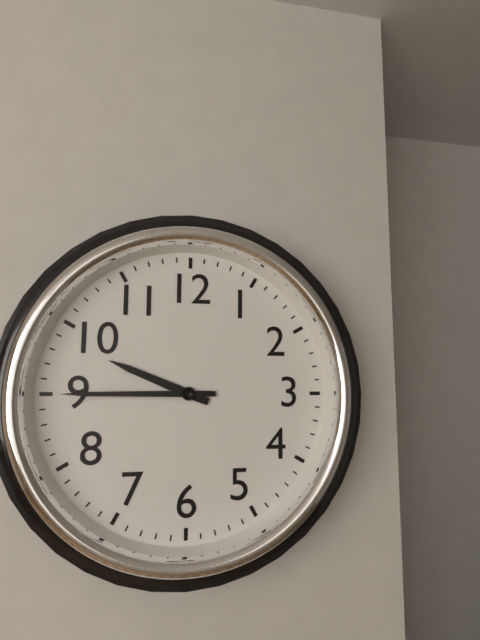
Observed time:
{"hour": 9, "minute": 45}
